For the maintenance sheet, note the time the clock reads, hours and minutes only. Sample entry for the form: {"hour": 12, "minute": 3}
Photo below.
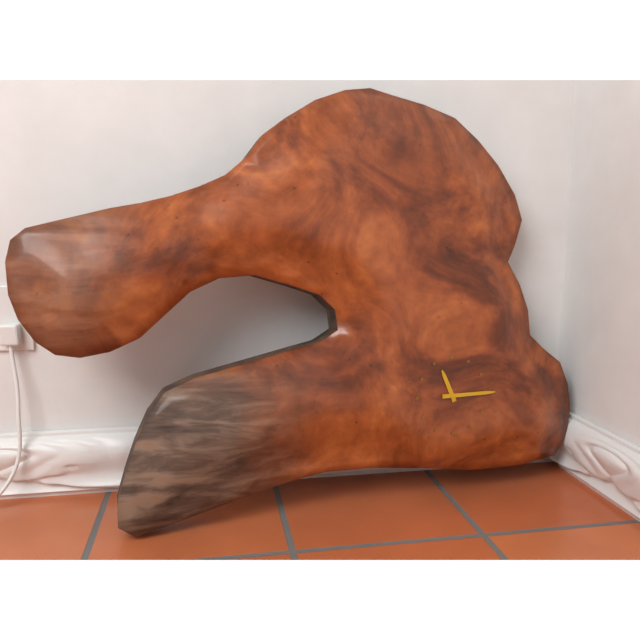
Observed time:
{"hour": 11, "minute": 15}
